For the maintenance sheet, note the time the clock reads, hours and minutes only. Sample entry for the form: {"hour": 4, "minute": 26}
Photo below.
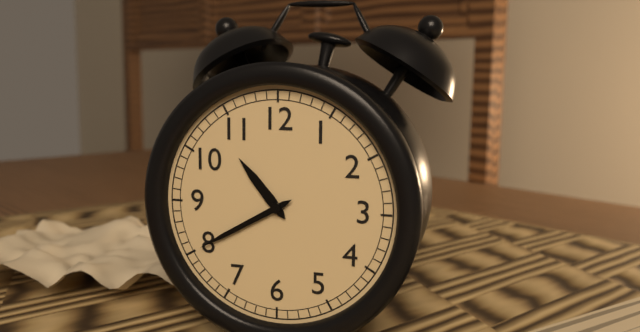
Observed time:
{"hour": 10, "minute": 40}
